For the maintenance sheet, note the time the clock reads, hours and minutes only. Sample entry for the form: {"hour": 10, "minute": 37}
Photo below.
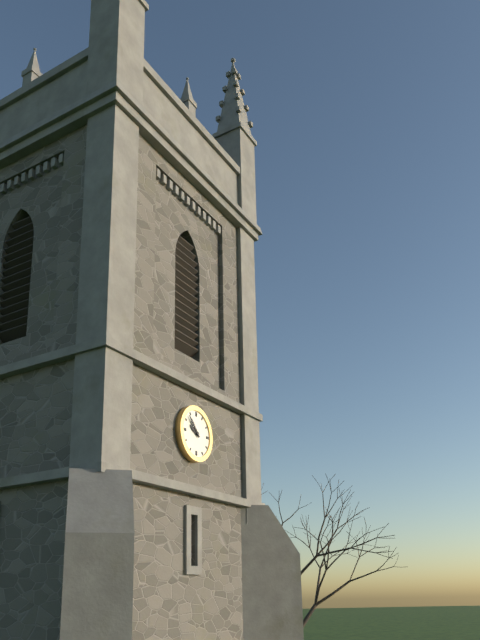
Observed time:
{"hour": 9, "minute": 53}
